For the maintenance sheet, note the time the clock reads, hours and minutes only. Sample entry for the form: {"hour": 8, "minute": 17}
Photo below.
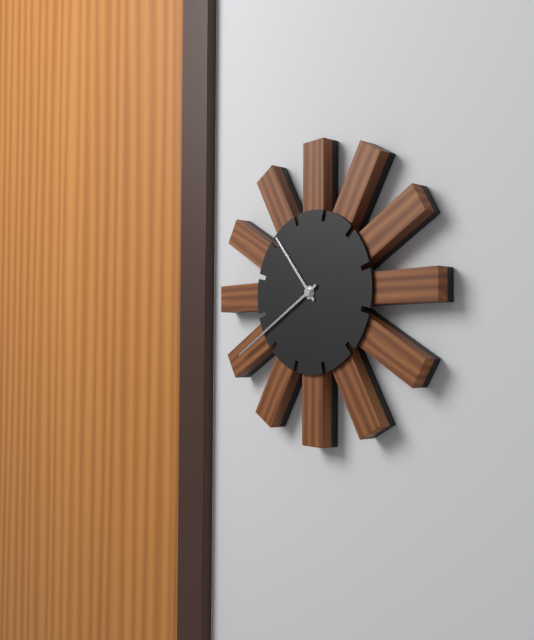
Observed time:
{"hour": 10, "minute": 40}
